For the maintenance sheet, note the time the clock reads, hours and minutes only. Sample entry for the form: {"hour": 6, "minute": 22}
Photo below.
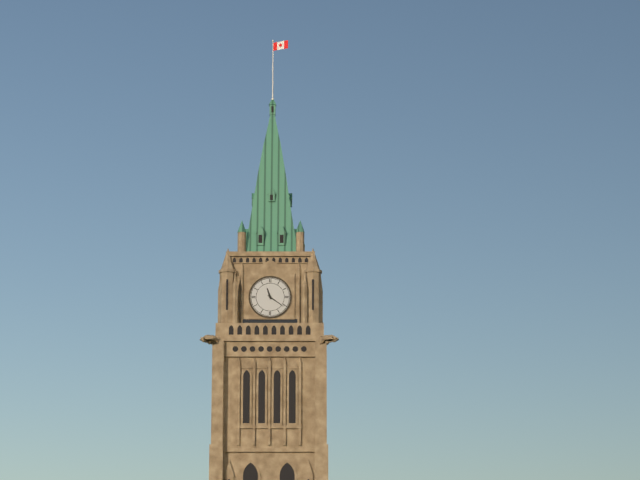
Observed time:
{"hour": 11, "minute": 21}
